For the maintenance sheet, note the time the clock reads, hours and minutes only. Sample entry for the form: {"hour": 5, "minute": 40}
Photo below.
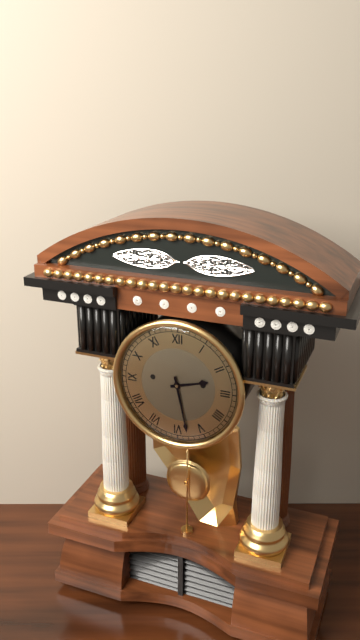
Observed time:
{"hour": 2, "minute": 28}
